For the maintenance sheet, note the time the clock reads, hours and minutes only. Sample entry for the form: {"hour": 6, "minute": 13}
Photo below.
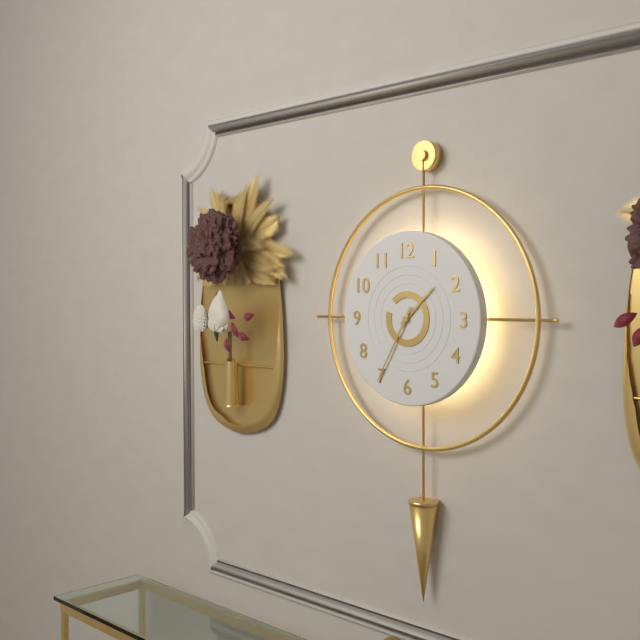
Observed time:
{"hour": 1, "minute": 35}
